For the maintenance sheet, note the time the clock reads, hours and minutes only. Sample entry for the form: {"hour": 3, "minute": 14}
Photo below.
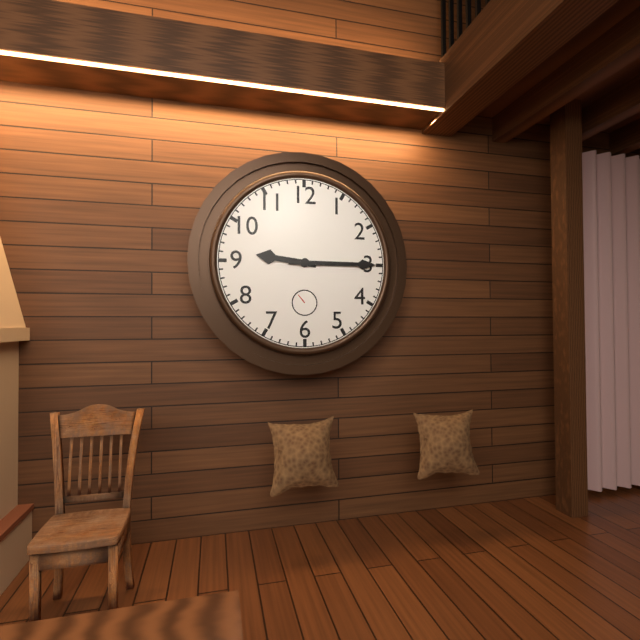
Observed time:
{"hour": 9, "minute": 15}
